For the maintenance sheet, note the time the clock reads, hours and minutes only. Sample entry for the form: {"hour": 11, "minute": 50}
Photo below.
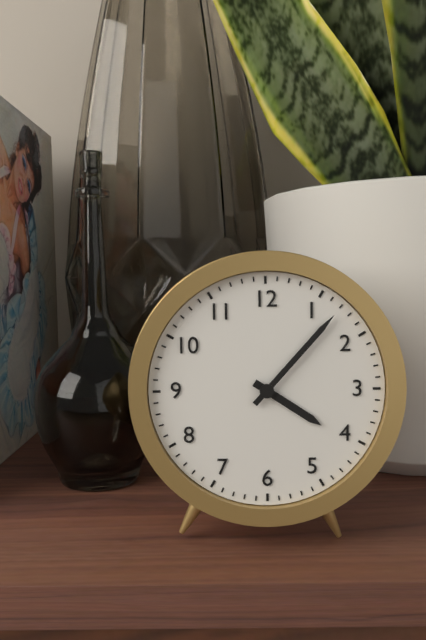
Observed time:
{"hour": 4, "minute": 7}
